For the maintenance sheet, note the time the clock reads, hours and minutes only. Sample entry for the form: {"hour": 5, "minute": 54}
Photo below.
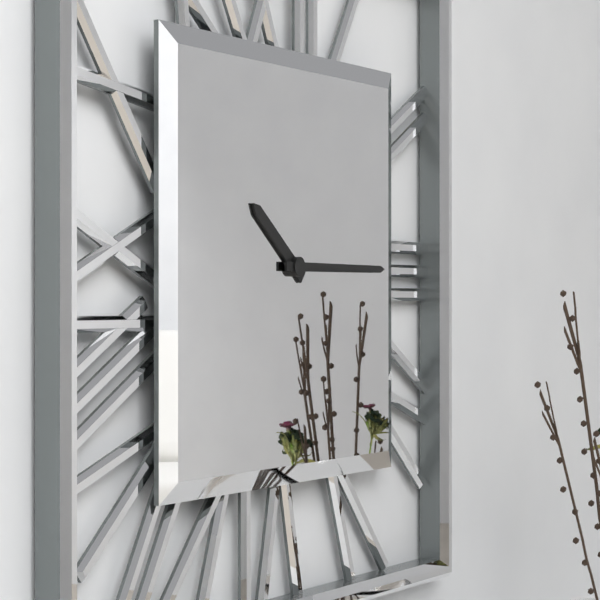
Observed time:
{"hour": 10, "minute": 15}
